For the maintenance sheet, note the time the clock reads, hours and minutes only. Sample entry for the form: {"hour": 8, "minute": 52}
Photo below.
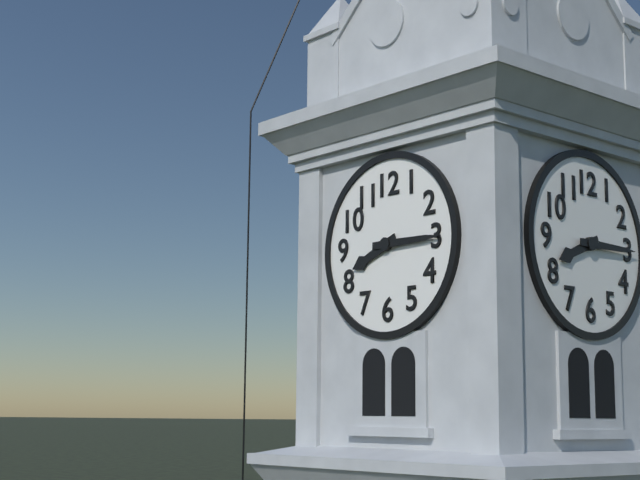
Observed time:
{"hour": 8, "minute": 15}
